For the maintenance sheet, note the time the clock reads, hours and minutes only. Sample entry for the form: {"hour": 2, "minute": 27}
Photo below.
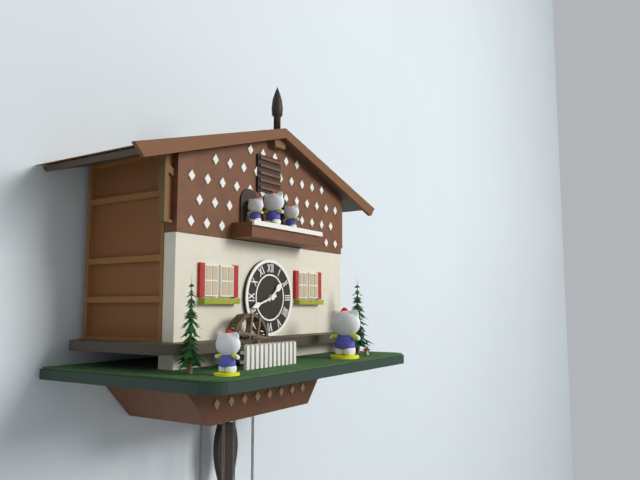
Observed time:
{"hour": 1, "minute": 42}
